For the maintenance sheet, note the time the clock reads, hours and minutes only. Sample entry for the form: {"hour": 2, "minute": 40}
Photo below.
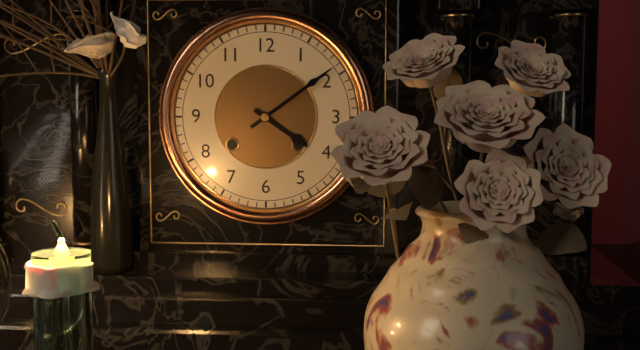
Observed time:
{"hour": 4, "minute": 9}
